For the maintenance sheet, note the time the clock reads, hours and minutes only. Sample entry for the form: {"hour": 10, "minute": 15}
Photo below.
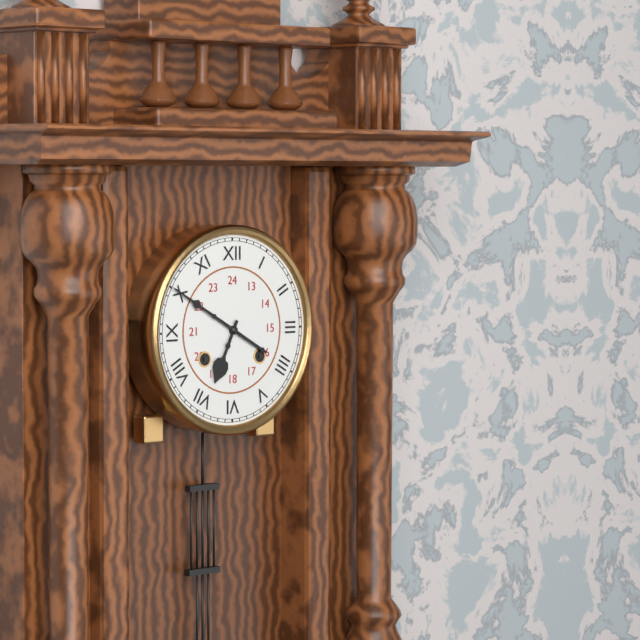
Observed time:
{"hour": 6, "minute": 50}
